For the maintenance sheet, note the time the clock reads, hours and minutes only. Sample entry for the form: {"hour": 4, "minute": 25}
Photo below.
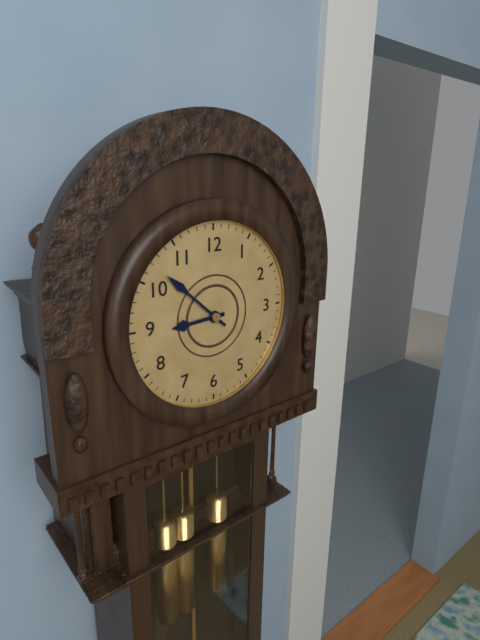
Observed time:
{"hour": 8, "minute": 52}
